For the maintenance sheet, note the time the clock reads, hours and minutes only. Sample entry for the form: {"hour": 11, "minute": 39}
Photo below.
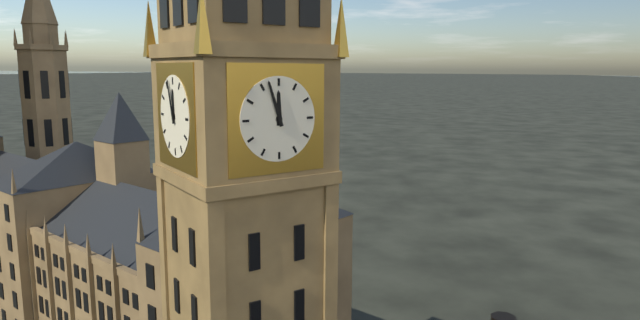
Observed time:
{"hour": 11, "minute": 57}
